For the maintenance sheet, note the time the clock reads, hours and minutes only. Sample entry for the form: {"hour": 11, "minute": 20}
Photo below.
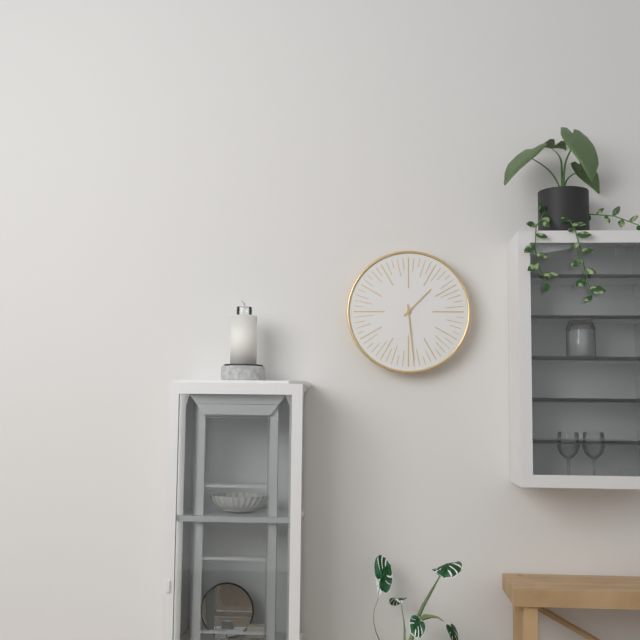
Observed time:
{"hour": 1, "minute": 29}
